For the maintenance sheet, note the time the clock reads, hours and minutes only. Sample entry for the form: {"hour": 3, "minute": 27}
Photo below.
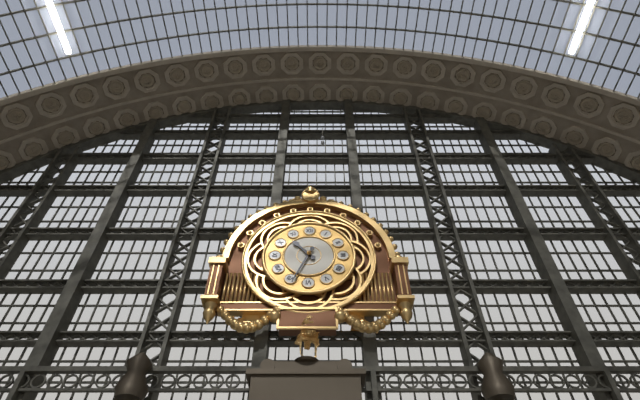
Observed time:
{"hour": 10, "minute": 34}
